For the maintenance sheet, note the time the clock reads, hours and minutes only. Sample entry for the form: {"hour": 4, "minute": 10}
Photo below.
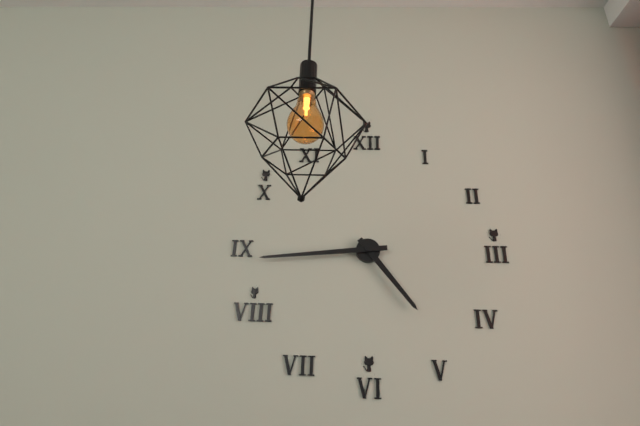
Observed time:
{"hour": 4, "minute": 44}
